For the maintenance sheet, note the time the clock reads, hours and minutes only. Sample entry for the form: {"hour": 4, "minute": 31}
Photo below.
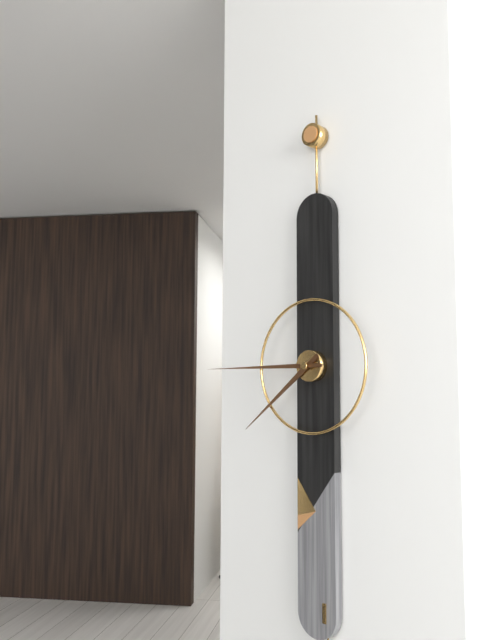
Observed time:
{"hour": 7, "minute": 45}
